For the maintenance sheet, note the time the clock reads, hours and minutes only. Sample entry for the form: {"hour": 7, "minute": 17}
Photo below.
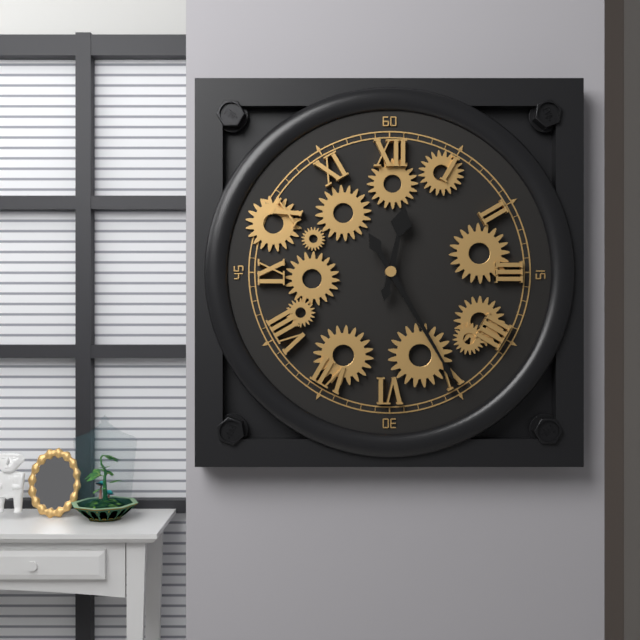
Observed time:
{"hour": 12, "minute": 25}
